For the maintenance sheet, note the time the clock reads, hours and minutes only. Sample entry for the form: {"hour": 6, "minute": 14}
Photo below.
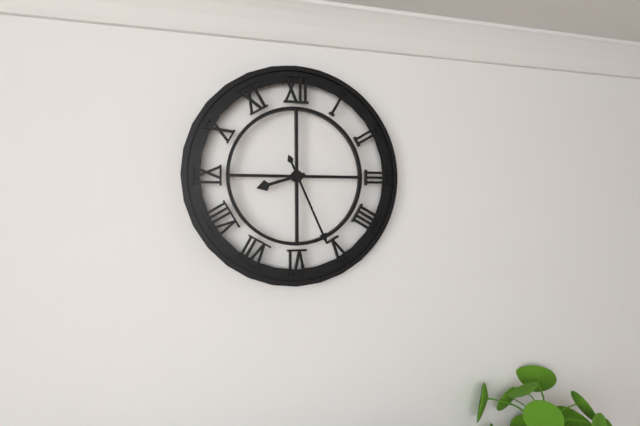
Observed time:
{"hour": 8, "minute": 26}
